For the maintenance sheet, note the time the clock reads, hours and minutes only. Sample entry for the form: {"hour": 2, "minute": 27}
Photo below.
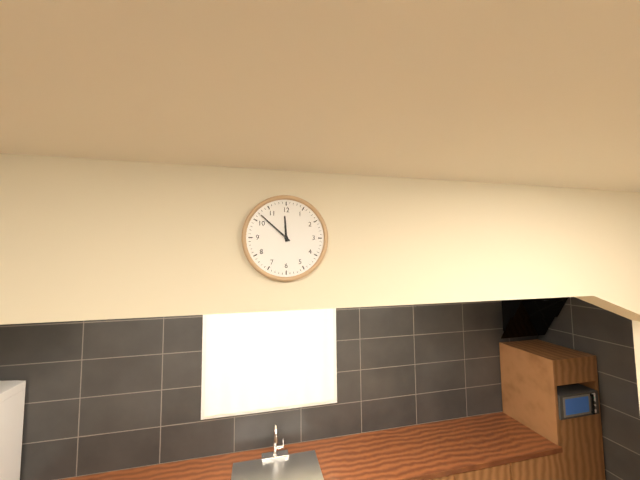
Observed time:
{"hour": 11, "minute": 52}
